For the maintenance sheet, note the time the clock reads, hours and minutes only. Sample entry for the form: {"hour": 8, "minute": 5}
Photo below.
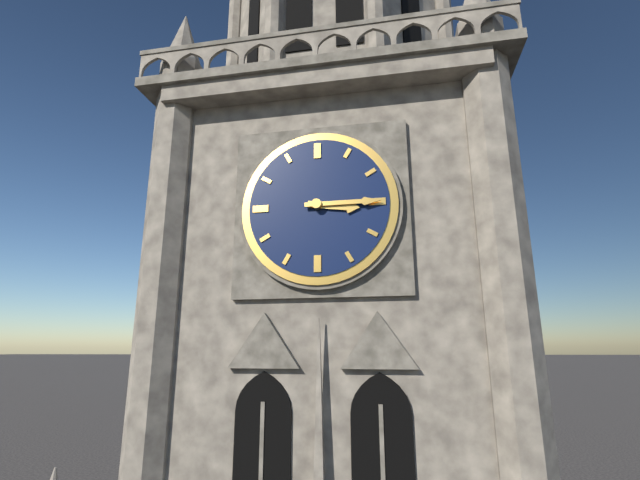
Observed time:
{"hour": 3, "minute": 15}
